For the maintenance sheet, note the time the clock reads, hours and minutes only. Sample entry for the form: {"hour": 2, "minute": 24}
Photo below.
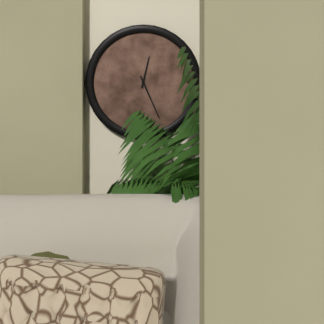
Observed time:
{"hour": 12, "minute": 26}
